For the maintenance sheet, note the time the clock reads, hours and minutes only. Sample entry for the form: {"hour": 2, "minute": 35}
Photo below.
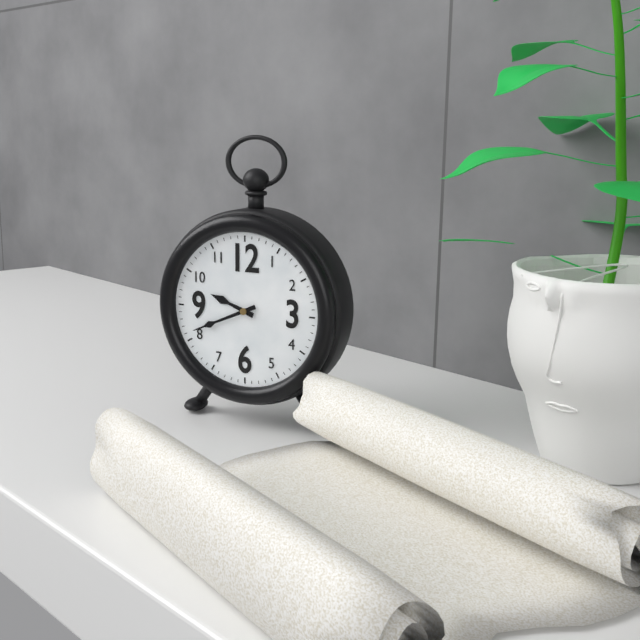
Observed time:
{"hour": 9, "minute": 41}
